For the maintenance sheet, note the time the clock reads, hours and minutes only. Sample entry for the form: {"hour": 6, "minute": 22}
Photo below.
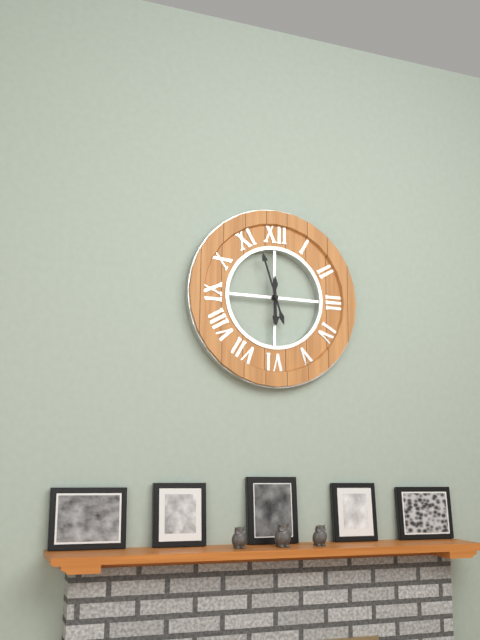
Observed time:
{"hour": 5, "minute": 57}
